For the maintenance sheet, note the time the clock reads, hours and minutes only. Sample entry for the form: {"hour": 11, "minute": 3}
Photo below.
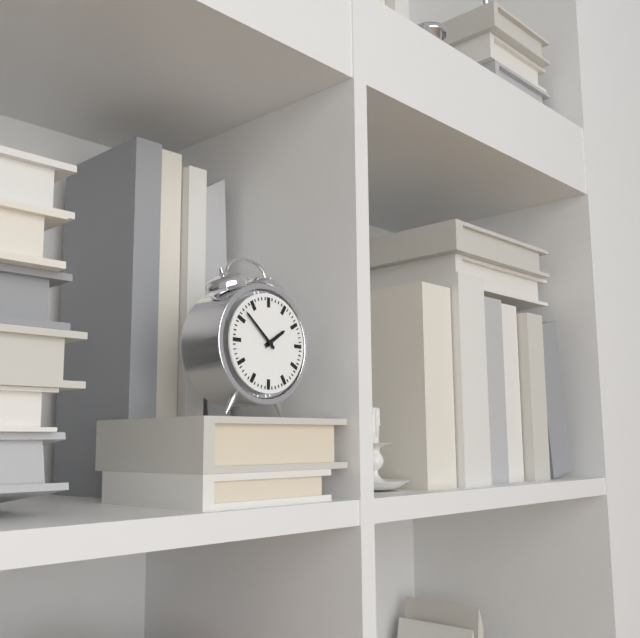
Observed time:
{"hour": 1, "minute": 52}
